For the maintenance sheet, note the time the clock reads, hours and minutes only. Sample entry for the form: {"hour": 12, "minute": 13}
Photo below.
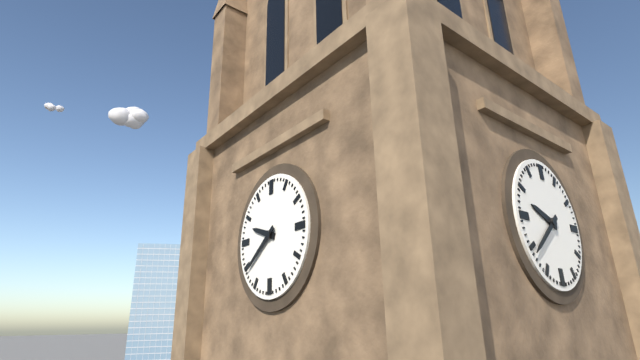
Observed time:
{"hour": 9, "minute": 39}
